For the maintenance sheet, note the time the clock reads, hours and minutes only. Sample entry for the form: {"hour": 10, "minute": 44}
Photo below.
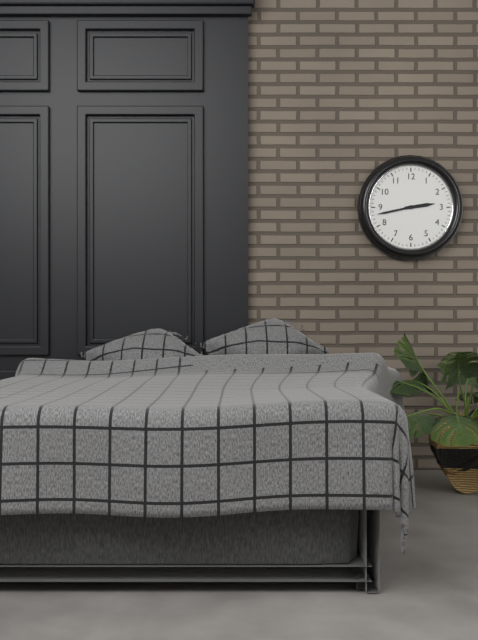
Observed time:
{"hour": 2, "minute": 43}
